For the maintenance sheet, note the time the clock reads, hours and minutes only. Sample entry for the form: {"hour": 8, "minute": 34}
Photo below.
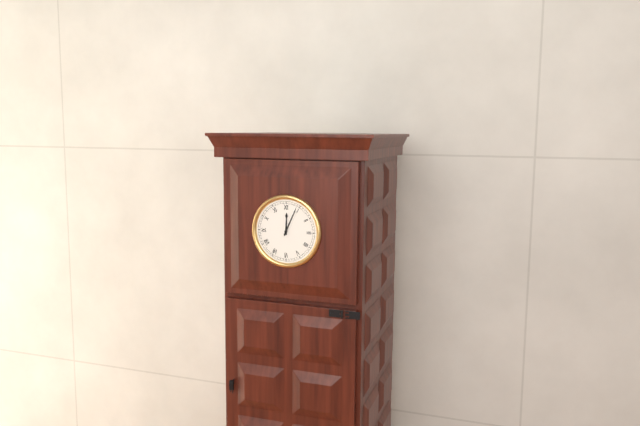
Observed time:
{"hour": 12, "minute": 4}
